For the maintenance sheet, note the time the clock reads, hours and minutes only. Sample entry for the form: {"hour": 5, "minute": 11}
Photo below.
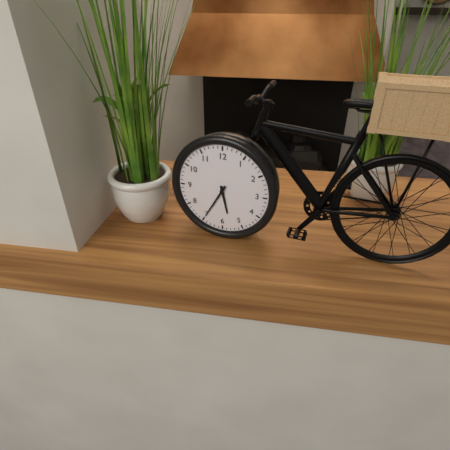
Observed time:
{"hour": 5, "minute": 35}
